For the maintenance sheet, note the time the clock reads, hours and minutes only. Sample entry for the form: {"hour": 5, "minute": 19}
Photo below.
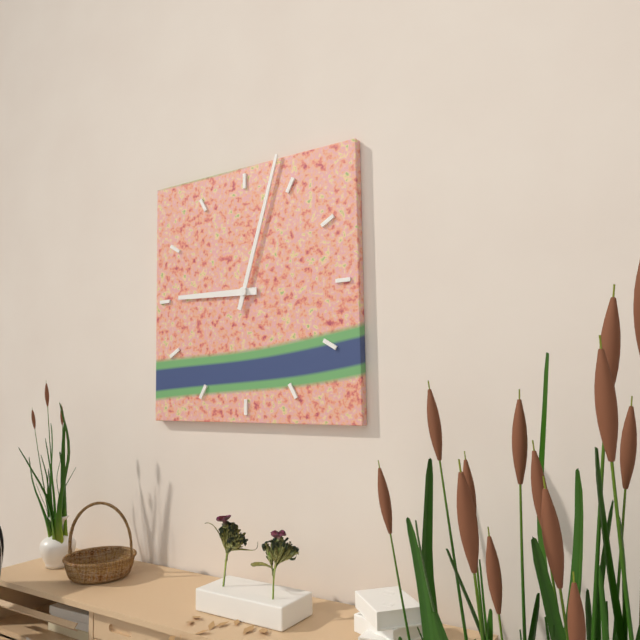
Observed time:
{"hour": 9, "minute": 3}
